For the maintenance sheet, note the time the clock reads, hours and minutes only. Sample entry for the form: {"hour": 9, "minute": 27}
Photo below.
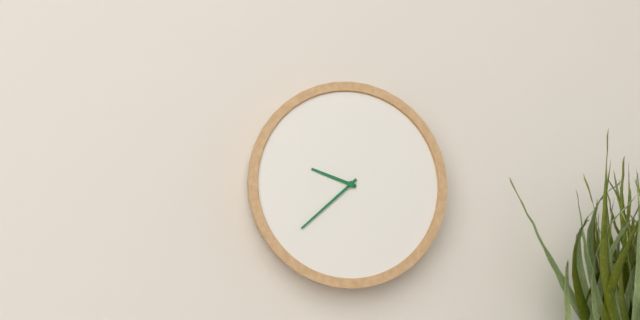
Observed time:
{"hour": 9, "minute": 38}
